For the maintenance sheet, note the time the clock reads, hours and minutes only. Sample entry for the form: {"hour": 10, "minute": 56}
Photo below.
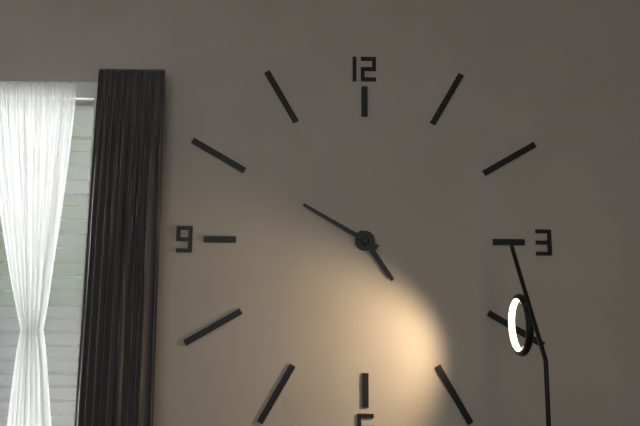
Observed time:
{"hour": 4, "minute": 50}
